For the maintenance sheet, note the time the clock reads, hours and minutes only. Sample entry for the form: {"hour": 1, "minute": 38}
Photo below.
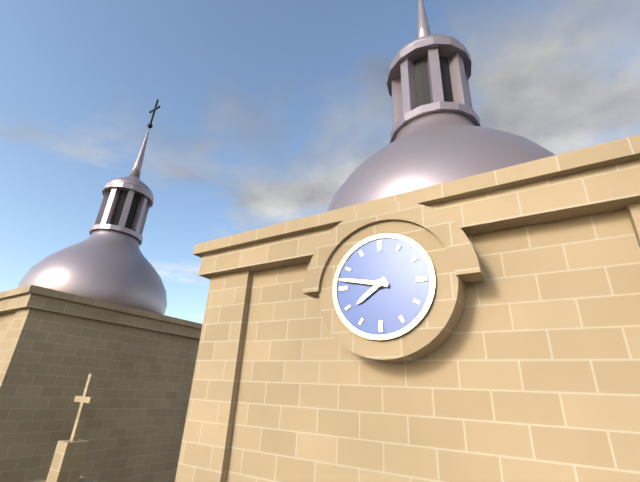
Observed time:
{"hour": 7, "minute": 47}
